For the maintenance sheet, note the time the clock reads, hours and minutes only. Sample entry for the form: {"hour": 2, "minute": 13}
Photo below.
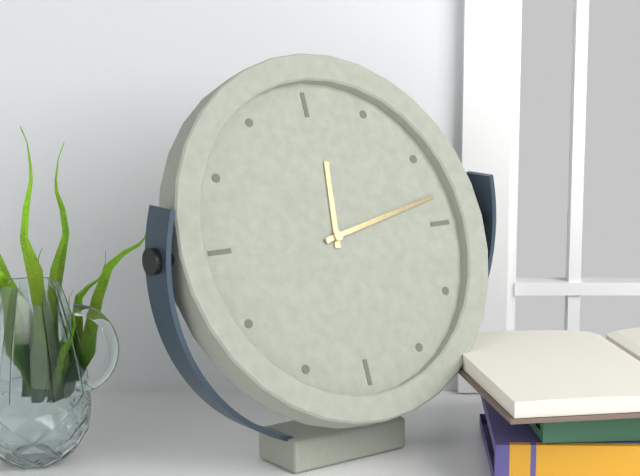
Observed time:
{"hour": 12, "minute": 13}
